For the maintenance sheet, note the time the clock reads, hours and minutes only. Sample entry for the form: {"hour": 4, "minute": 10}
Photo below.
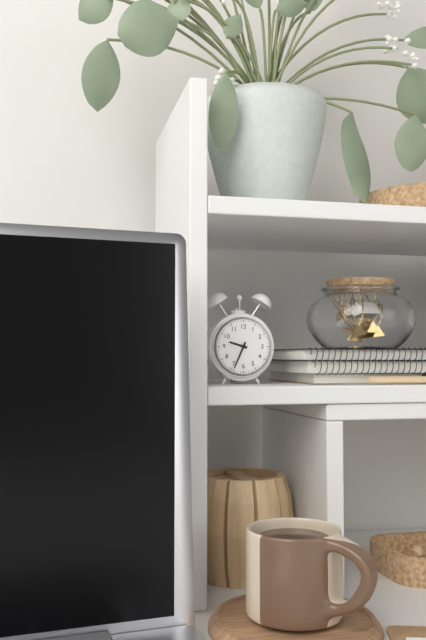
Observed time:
{"hour": 9, "minute": 34}
